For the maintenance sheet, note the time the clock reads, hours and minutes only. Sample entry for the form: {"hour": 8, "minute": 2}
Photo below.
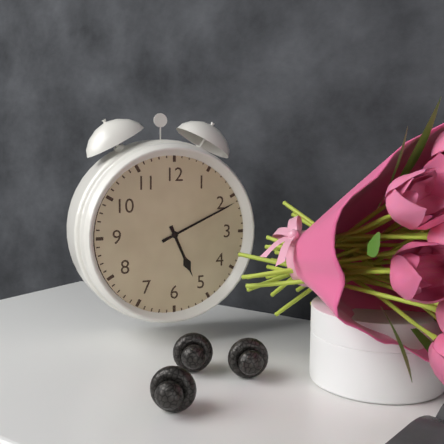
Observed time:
{"hour": 5, "minute": 11}
